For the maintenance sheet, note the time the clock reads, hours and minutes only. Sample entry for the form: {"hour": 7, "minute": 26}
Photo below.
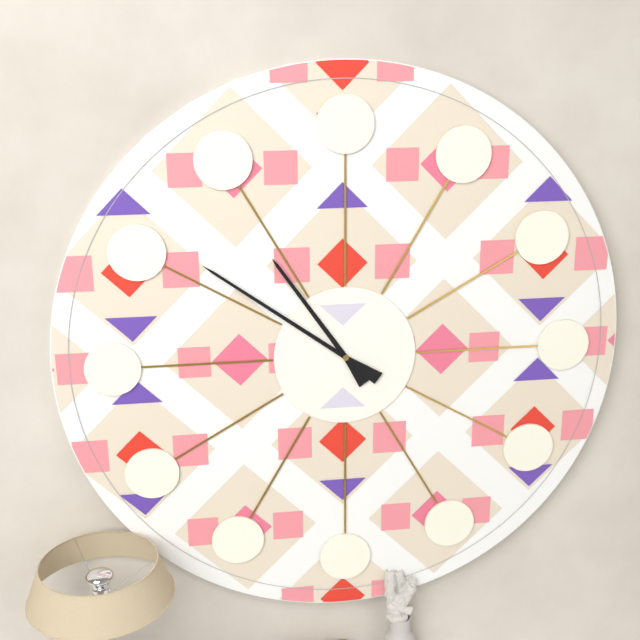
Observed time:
{"hour": 10, "minute": 51}
